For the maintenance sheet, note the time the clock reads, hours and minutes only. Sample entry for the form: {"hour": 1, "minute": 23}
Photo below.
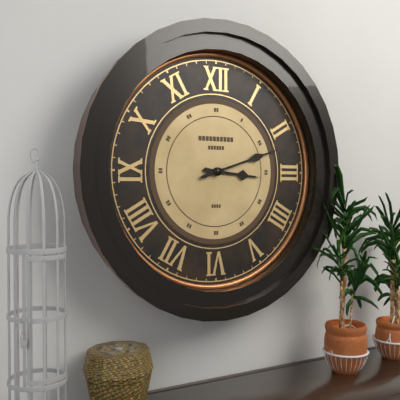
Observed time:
{"hour": 3, "minute": 12}
